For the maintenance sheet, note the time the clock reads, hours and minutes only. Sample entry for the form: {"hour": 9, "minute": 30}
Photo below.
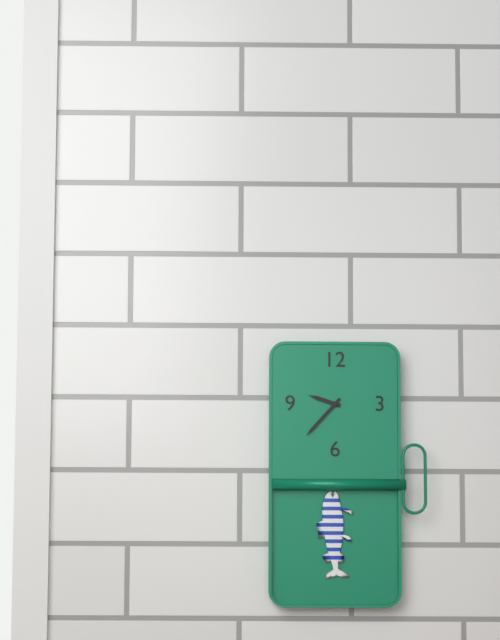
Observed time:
{"hour": 9, "minute": 37}
